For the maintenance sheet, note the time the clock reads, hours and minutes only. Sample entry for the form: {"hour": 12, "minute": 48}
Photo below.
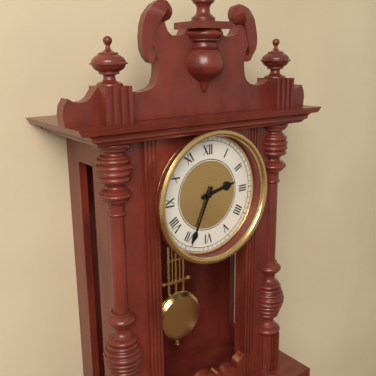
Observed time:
{"hour": 2, "minute": 34}
